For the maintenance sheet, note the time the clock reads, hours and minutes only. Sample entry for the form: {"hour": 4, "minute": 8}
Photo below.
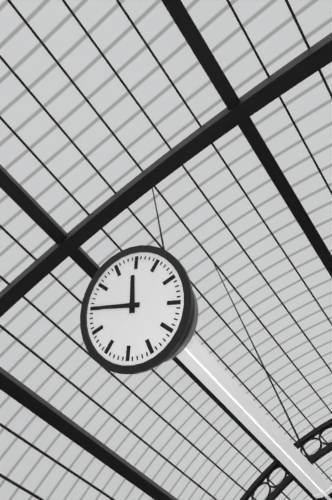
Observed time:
{"hour": 12, "minute": 50}
